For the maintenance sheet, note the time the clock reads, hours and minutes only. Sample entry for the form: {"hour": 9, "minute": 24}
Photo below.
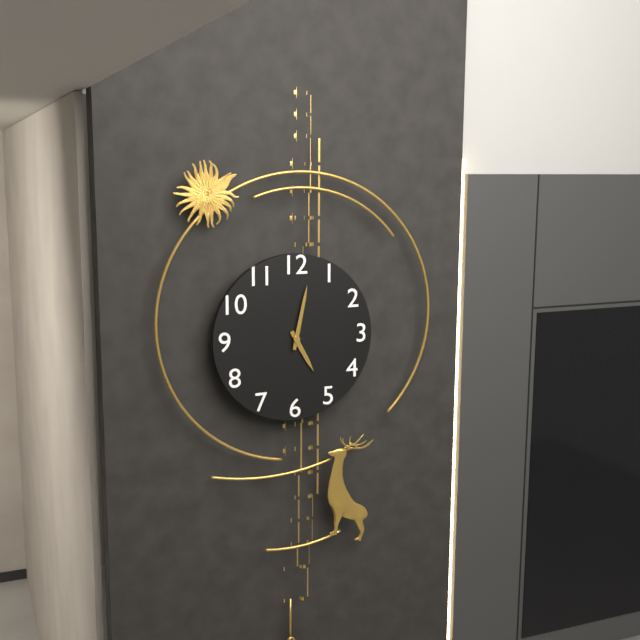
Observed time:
{"hour": 5, "minute": 2}
